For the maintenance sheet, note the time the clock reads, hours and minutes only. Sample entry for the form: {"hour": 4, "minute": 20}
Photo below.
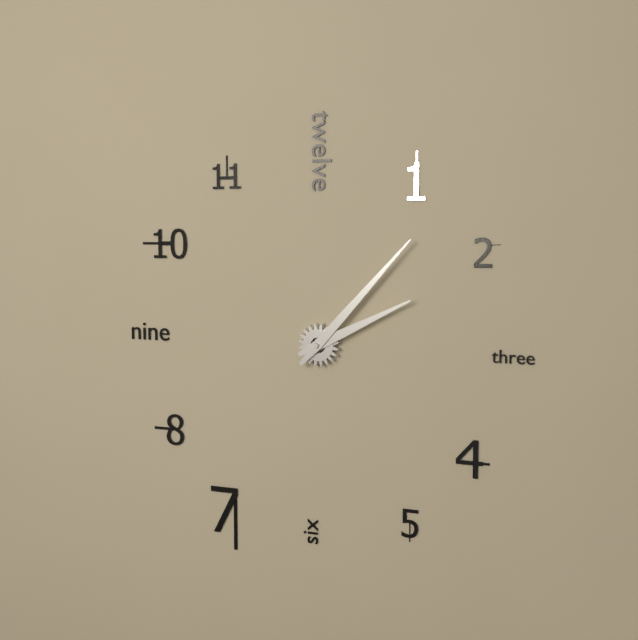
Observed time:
{"hour": 2, "minute": 7}
